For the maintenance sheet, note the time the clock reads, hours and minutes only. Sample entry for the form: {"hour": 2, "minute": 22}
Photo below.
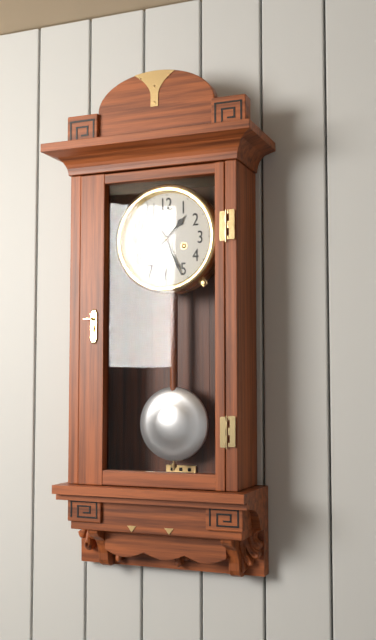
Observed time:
{"hour": 1, "minute": 26}
